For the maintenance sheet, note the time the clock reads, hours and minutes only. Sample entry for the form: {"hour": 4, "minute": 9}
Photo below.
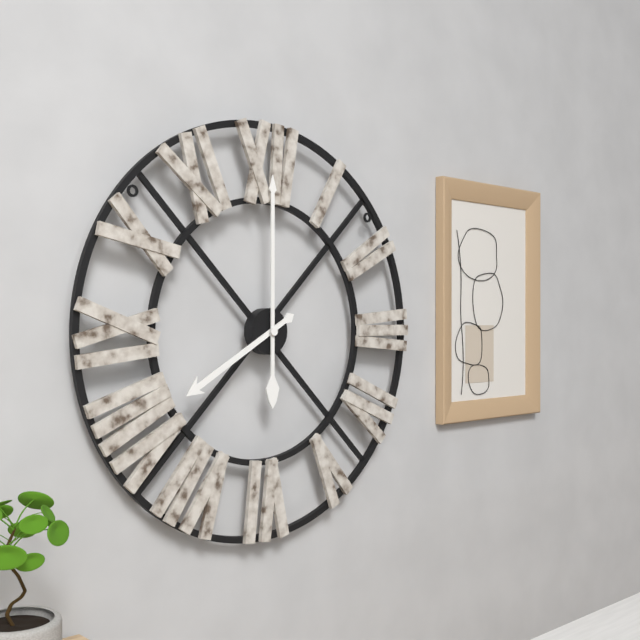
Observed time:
{"hour": 8, "minute": 0}
